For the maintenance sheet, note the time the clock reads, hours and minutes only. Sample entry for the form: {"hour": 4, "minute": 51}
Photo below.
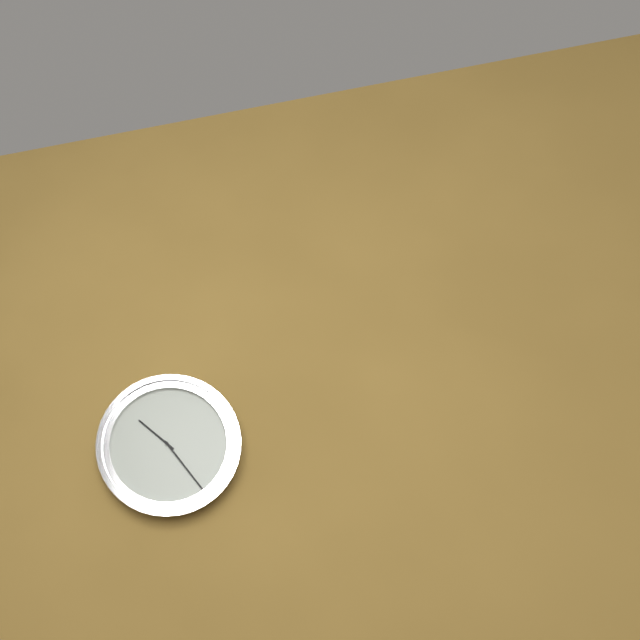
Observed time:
{"hour": 10, "minute": 24}
